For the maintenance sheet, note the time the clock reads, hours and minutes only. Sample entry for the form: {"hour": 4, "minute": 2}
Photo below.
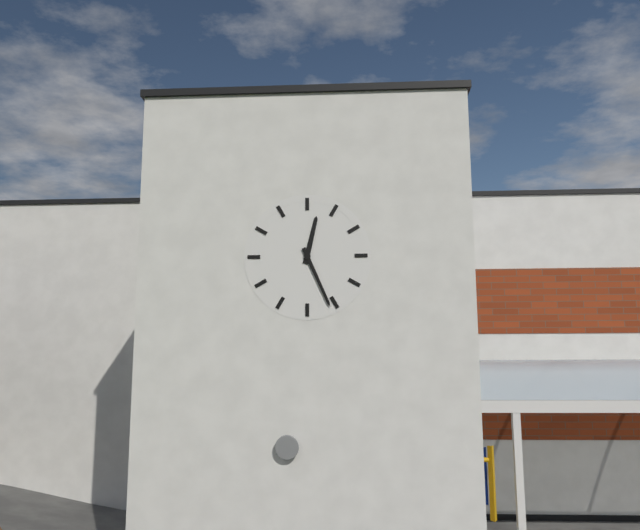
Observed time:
{"hour": 12, "minute": 26}
